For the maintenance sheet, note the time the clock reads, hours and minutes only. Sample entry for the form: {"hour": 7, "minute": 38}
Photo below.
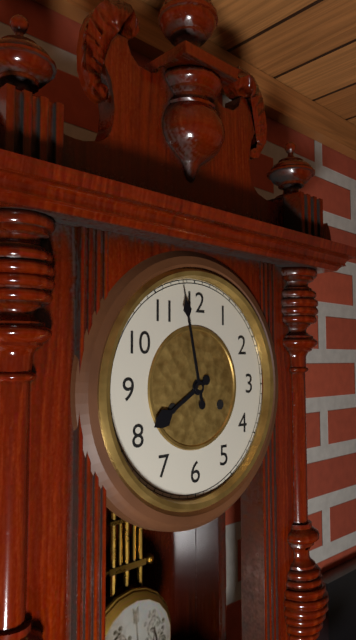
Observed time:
{"hour": 7, "minute": 58}
